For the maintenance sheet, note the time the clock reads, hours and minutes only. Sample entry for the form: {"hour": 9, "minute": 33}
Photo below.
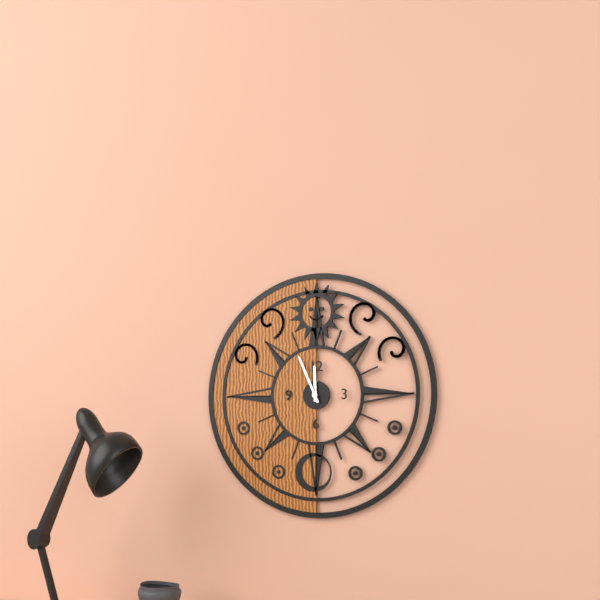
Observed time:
{"hour": 11, "minute": 56}
